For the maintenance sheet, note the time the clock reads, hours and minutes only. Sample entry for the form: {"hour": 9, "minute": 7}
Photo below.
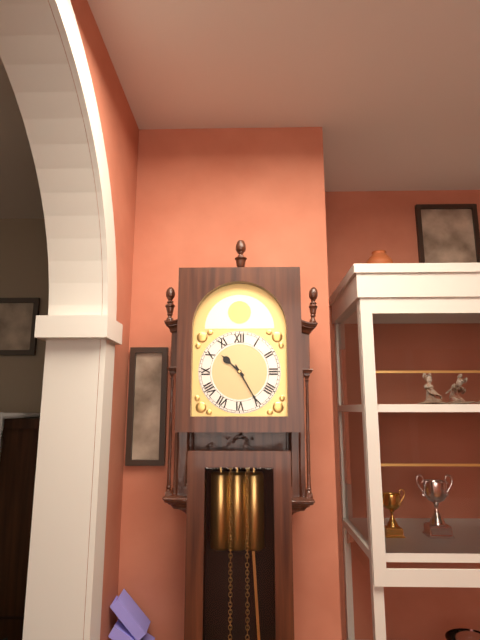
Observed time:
{"hour": 10, "minute": 25}
